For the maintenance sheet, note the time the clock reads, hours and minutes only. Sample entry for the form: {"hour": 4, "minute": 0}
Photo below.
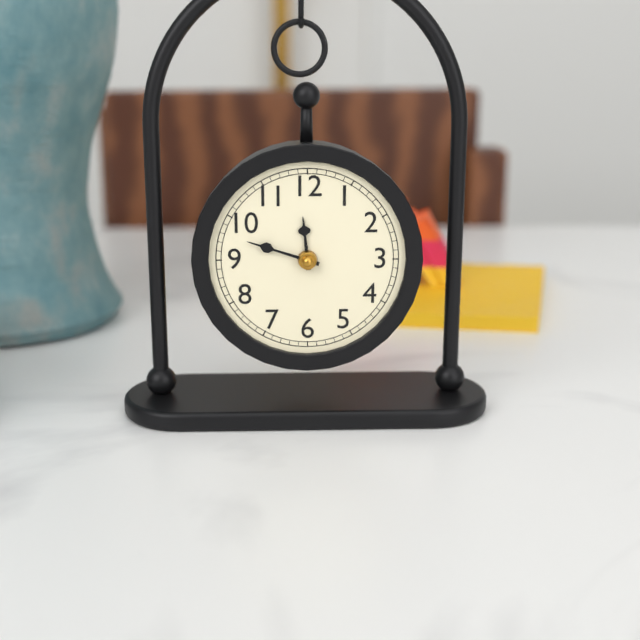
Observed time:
{"hour": 11, "minute": 48}
